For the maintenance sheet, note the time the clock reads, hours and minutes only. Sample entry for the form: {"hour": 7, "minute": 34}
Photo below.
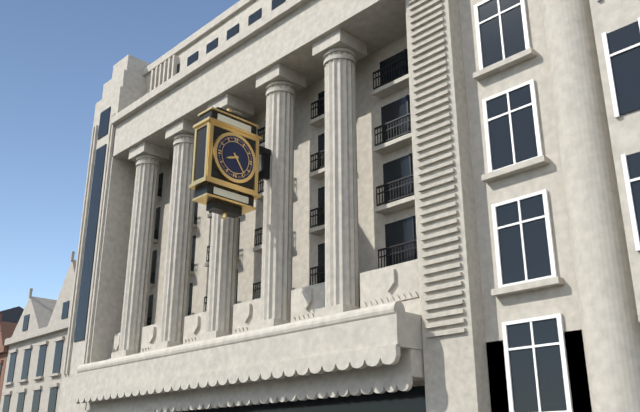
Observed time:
{"hour": 8, "minute": 24}
